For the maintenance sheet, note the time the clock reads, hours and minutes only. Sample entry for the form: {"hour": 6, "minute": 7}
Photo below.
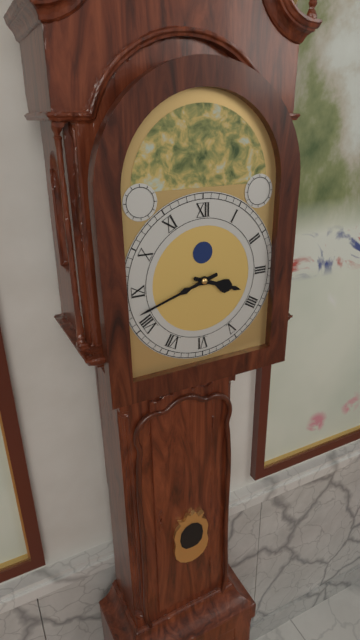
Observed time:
{"hour": 3, "minute": 42}
